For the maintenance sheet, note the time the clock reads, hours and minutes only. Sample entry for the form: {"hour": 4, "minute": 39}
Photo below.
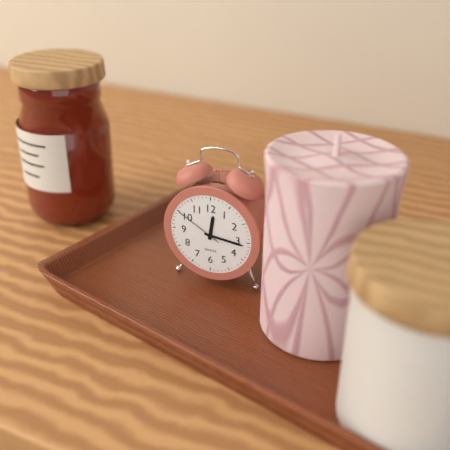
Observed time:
{"hour": 12, "minute": 16}
